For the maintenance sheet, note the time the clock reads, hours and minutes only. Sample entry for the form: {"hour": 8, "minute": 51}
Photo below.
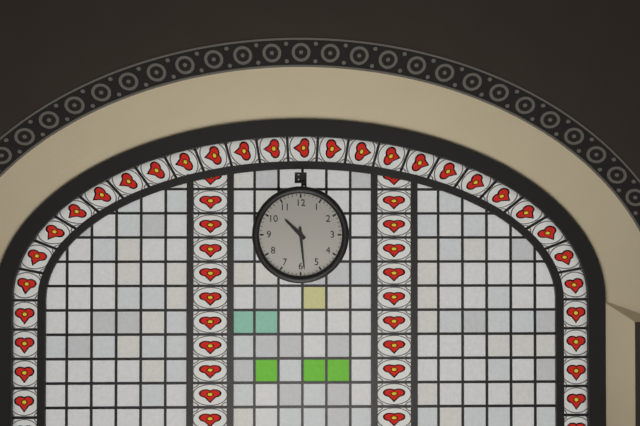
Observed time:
{"hour": 10, "minute": 29}
